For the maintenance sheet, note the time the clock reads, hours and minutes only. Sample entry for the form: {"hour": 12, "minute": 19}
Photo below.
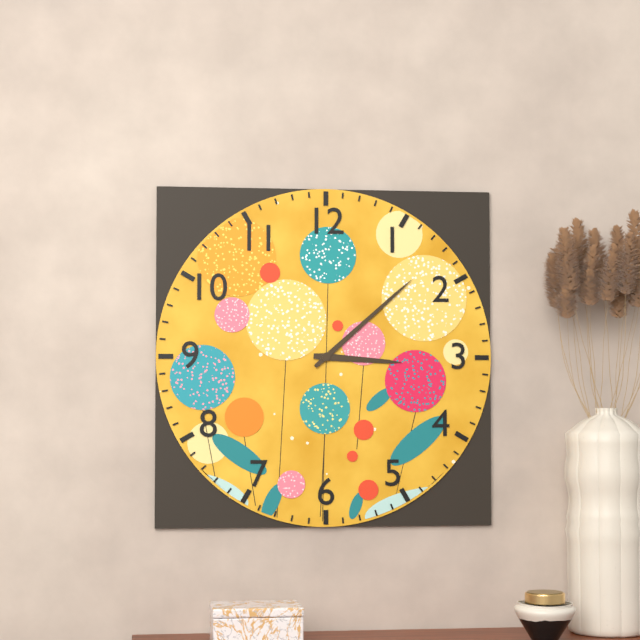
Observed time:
{"hour": 3, "minute": 8}
